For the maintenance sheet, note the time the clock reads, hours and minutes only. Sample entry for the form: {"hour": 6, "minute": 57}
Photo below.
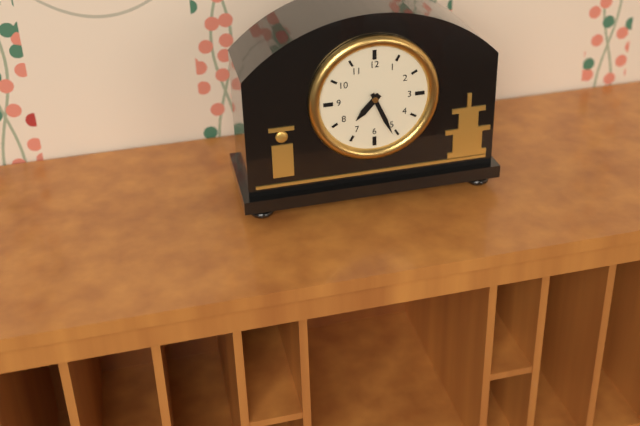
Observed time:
{"hour": 7, "minute": 26}
